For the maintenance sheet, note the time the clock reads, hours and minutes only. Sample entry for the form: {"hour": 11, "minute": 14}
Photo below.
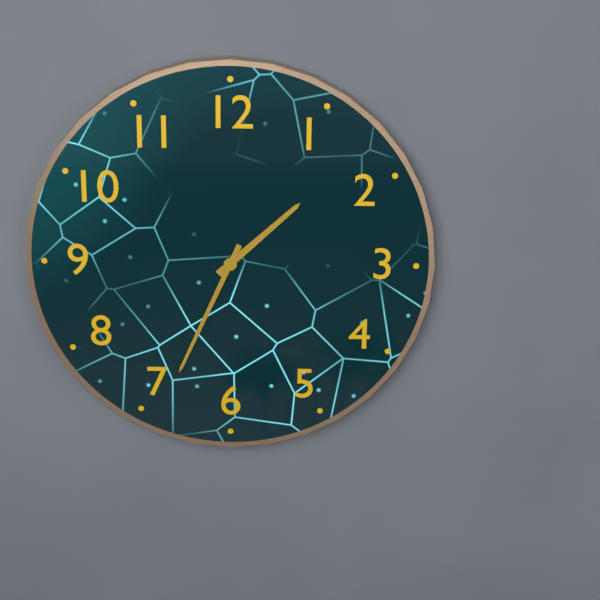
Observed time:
{"hour": 1, "minute": 34}
